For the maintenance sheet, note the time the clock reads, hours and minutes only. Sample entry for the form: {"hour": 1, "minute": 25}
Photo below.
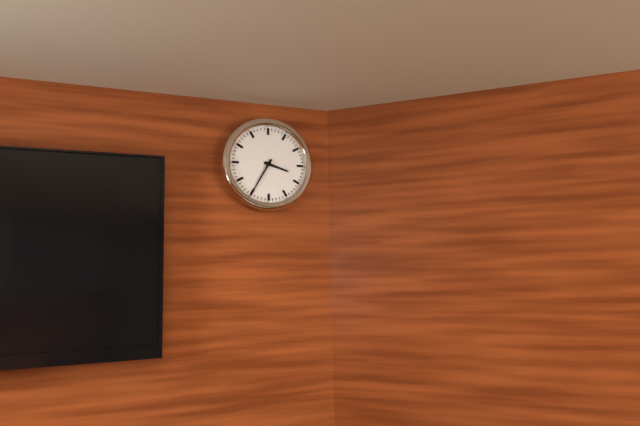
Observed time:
{"hour": 3, "minute": 35}
